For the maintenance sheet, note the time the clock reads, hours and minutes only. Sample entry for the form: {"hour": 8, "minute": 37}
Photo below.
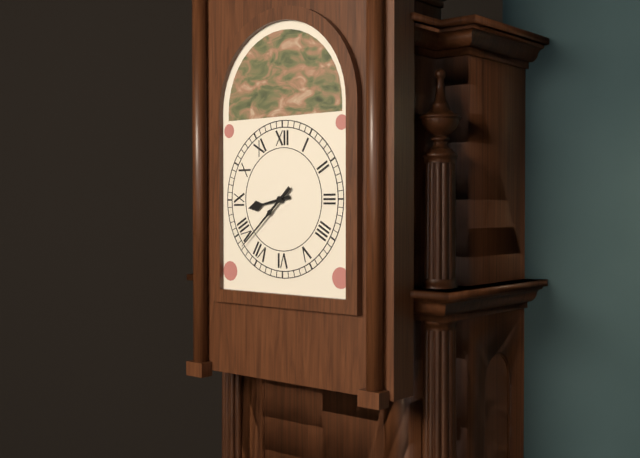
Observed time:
{"hour": 8, "minute": 38}
